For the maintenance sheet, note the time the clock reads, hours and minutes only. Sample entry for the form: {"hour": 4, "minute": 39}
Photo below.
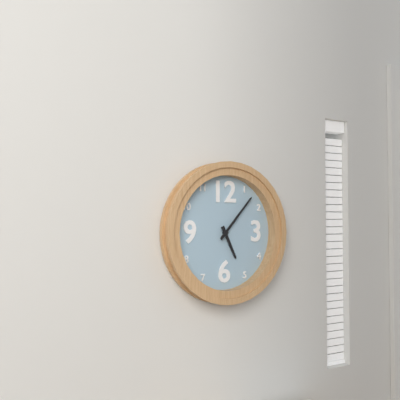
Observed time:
{"hour": 5, "minute": 7}
